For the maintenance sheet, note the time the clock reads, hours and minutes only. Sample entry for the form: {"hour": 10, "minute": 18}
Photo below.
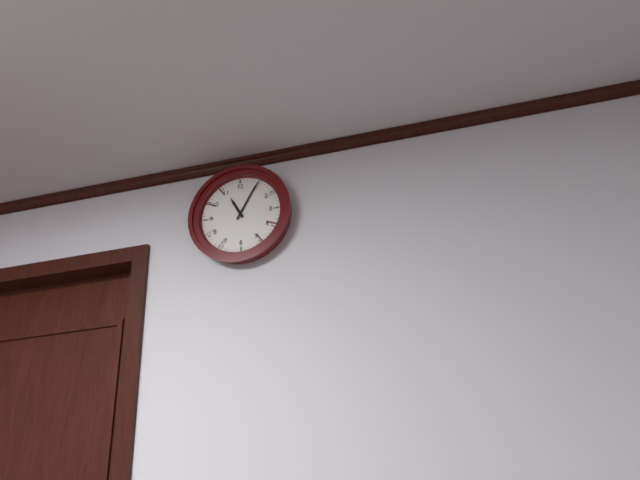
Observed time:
{"hour": 11, "minute": 5}
